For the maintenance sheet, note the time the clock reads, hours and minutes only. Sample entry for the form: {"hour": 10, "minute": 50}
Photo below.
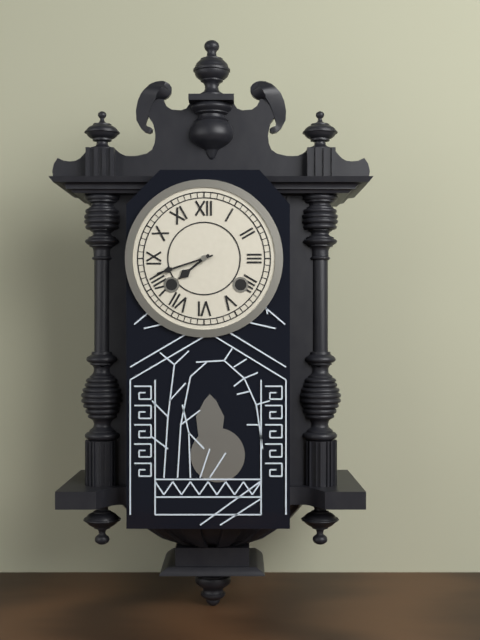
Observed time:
{"hour": 7, "minute": 42}
